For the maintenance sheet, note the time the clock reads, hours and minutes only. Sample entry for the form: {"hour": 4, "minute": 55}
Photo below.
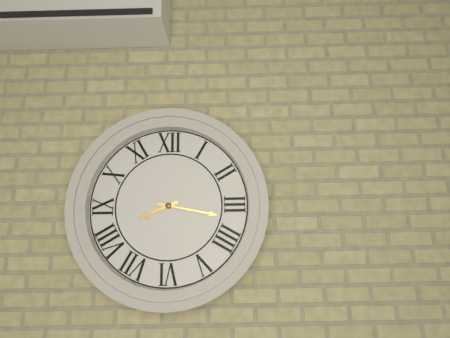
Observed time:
{"hour": 8, "minute": 17}
